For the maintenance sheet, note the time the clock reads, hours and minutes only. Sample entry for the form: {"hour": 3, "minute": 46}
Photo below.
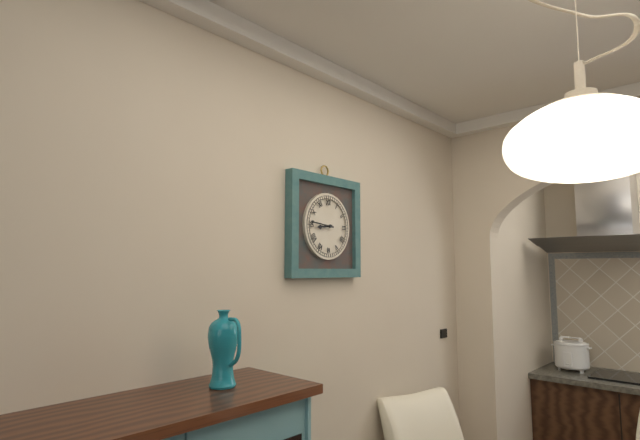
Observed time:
{"hour": 8, "minute": 46}
